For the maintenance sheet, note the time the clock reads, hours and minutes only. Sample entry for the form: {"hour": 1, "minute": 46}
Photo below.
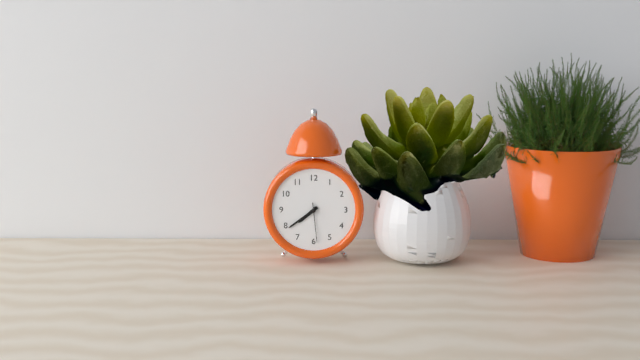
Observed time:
{"hour": 7, "minute": 39}
